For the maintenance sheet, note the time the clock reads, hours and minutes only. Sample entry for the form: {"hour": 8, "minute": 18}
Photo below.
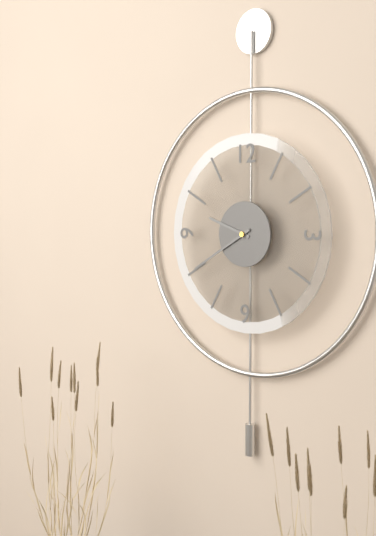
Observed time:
{"hour": 9, "minute": 40}
